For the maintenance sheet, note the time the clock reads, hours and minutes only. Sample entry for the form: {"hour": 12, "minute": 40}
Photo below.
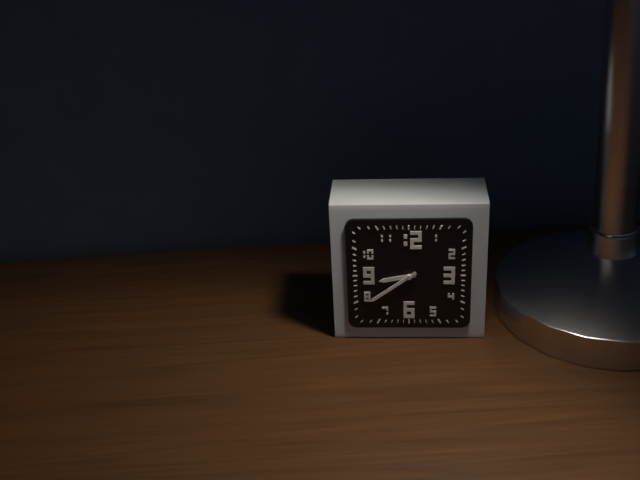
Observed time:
{"hour": 8, "minute": 39}
